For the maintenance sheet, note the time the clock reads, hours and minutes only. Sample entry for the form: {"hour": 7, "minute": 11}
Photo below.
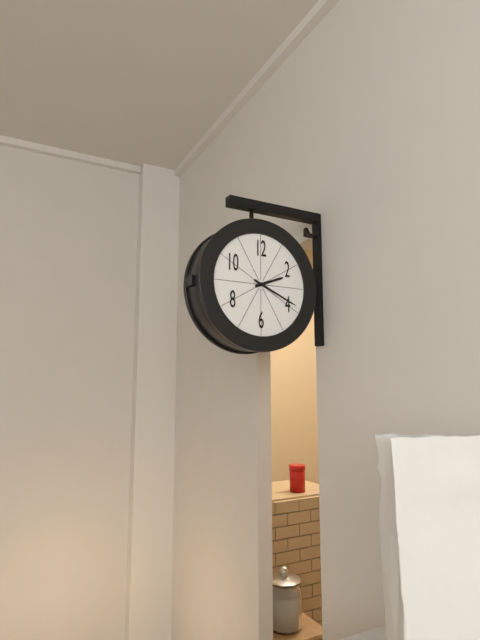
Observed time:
{"hour": 2, "minute": 19}
